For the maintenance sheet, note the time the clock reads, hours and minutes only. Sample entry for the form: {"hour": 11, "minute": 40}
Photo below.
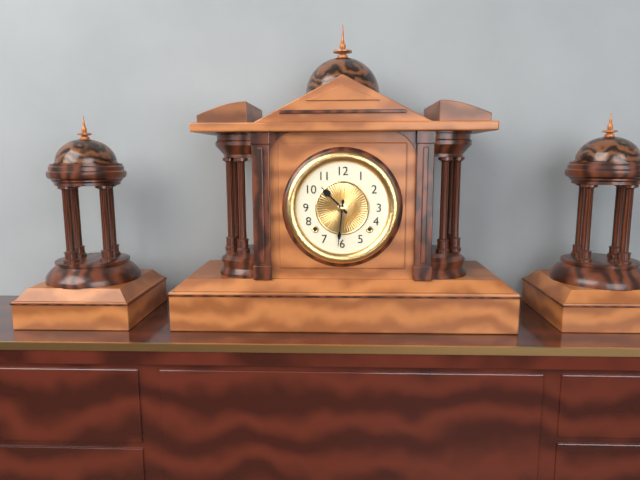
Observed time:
{"hour": 10, "minute": 31}
